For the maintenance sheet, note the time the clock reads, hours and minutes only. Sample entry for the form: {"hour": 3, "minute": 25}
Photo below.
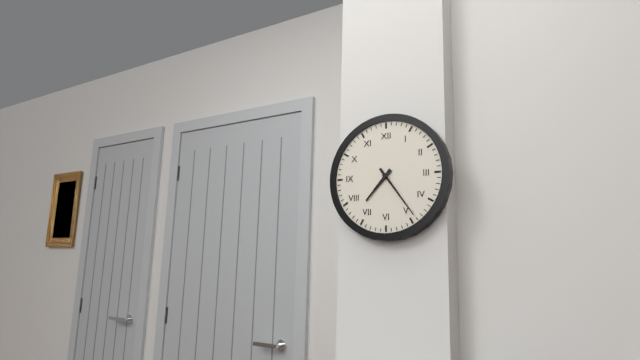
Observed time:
{"hour": 7, "minute": 24}
